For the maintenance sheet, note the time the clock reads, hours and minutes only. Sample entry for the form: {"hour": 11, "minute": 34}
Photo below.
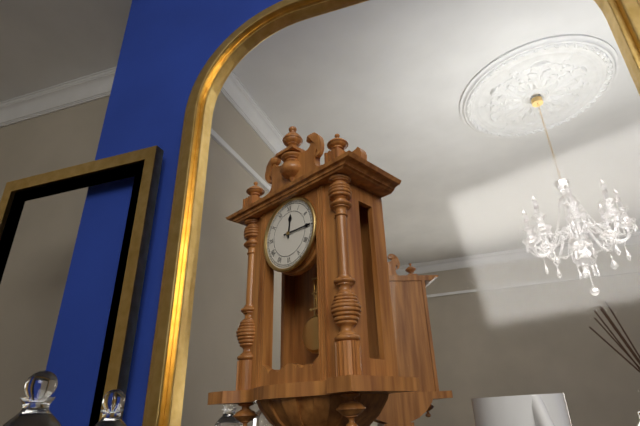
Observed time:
{"hour": 12, "minute": 15}
